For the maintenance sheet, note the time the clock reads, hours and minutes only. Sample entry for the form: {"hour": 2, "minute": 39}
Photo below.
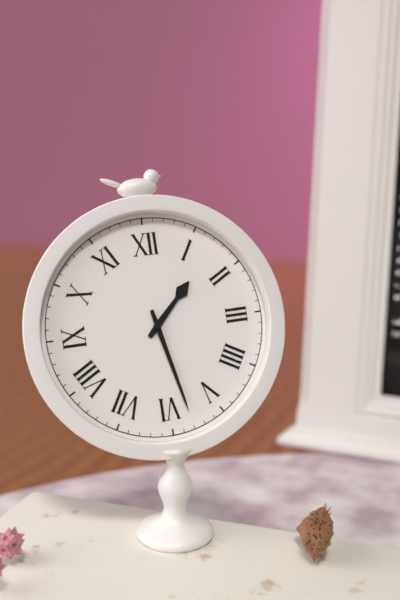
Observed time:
{"hour": 1, "minute": 28}
